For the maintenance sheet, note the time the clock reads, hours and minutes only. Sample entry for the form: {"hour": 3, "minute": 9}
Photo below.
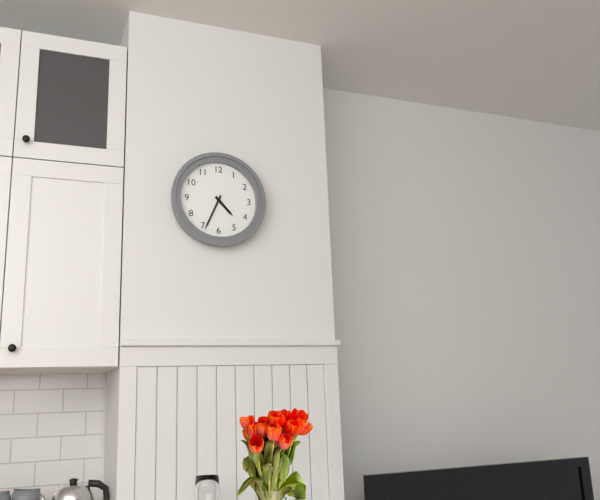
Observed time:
{"hour": 4, "minute": 34}
